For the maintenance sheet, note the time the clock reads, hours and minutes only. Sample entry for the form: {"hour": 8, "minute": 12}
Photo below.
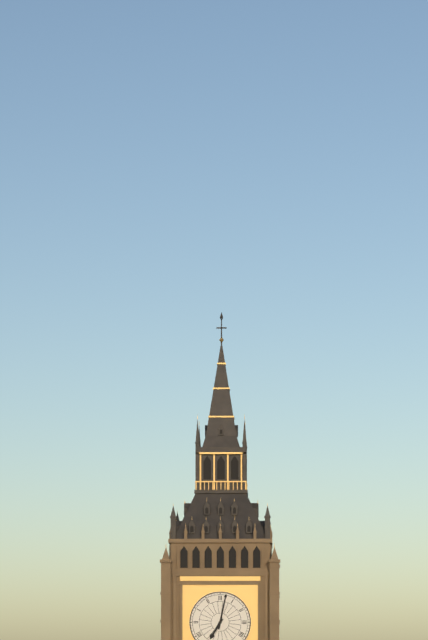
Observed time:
{"hour": 7, "minute": 2}
